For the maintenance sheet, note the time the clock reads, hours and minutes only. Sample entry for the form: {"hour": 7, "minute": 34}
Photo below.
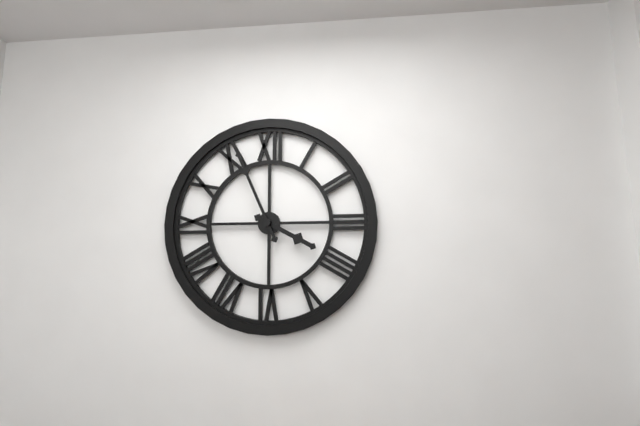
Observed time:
{"hour": 3, "minute": 56}
